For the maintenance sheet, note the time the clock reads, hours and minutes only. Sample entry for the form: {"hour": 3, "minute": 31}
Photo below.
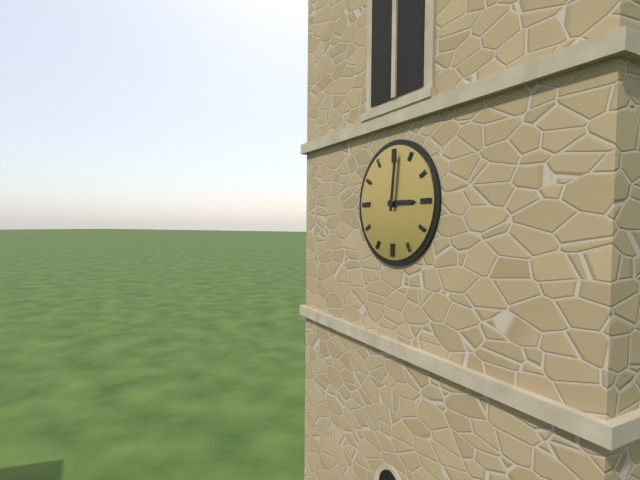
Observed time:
{"hour": 3, "minute": 1}
